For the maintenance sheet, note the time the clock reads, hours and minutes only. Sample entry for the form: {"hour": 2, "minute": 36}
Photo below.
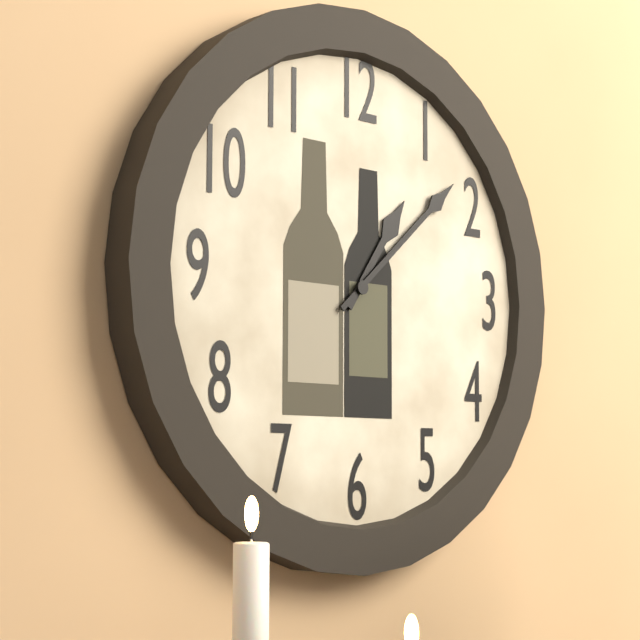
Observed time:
{"hour": 1, "minute": 8}
